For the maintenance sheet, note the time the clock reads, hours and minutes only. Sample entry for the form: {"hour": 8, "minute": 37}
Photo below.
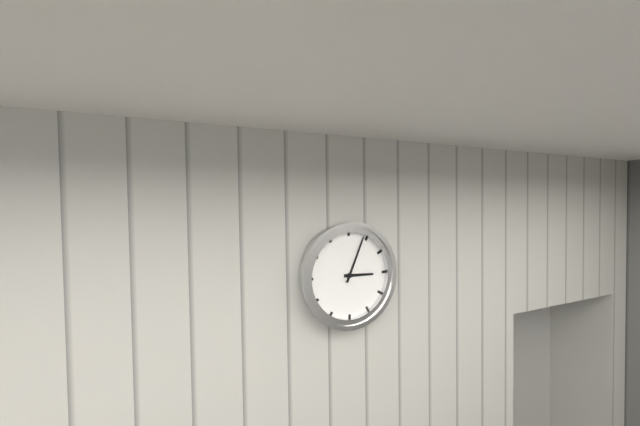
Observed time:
{"hour": 3, "minute": 4}
